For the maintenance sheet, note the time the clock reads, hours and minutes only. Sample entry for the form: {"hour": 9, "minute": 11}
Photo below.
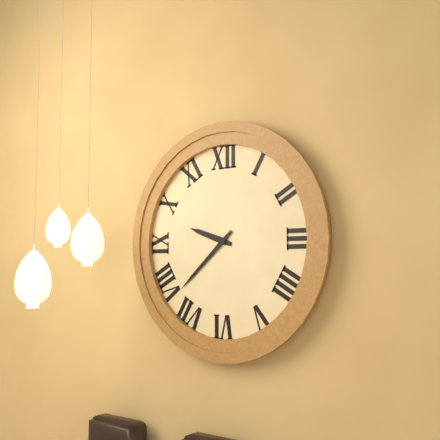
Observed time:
{"hour": 9, "minute": 38}
